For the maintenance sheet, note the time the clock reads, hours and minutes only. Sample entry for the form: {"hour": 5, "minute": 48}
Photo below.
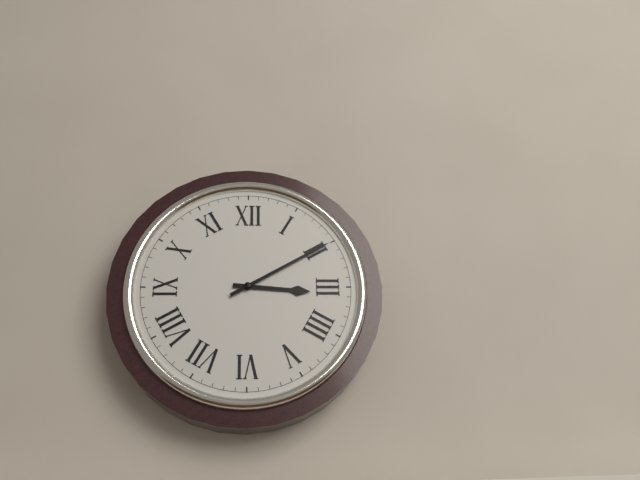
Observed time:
{"hour": 3, "minute": 10}
